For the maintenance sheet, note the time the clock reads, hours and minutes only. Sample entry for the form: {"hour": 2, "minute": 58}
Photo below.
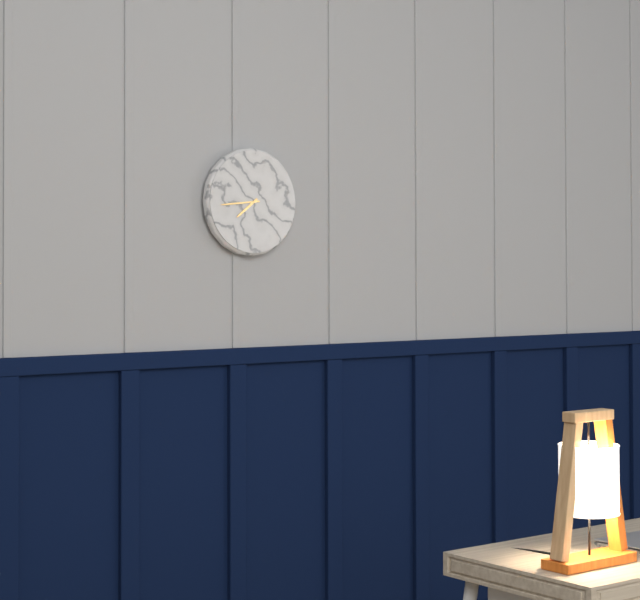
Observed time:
{"hour": 7, "minute": 44}
